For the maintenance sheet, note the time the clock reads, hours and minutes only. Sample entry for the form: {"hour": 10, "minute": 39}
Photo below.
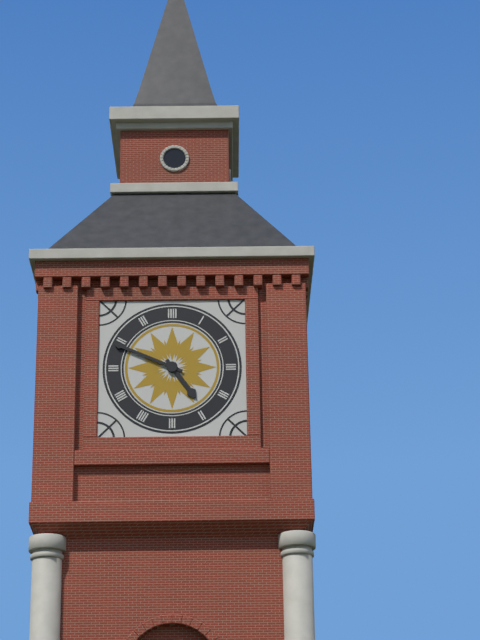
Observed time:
{"hour": 4, "minute": 49}
